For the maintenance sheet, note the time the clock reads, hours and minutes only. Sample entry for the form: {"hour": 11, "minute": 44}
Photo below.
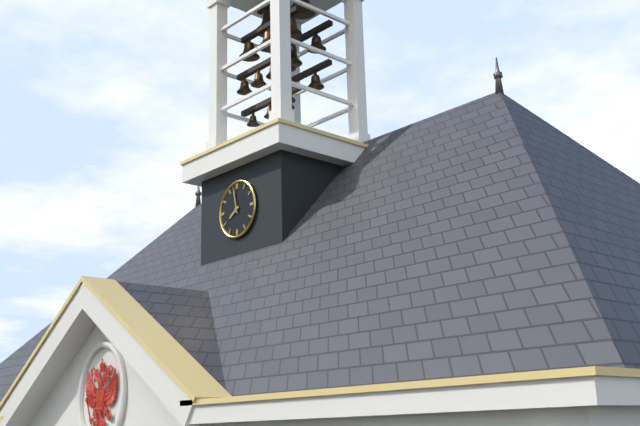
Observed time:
{"hour": 7, "minute": 58}
